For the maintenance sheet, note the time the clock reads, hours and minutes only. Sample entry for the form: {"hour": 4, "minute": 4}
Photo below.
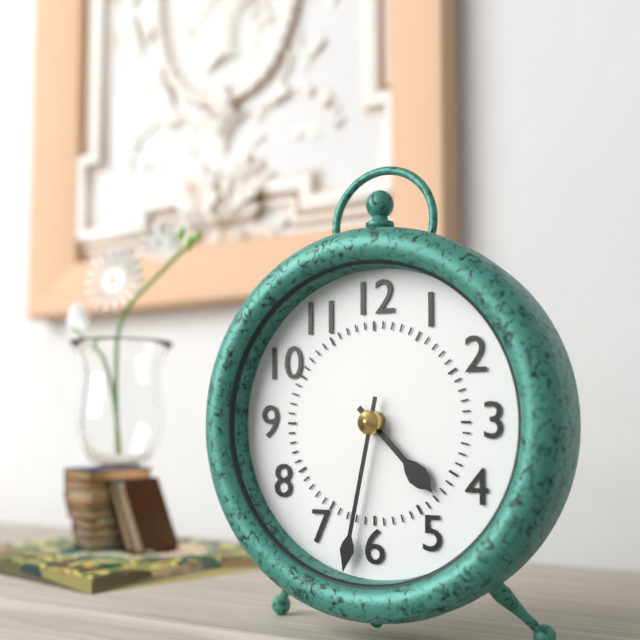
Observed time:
{"hour": 4, "minute": 32}
